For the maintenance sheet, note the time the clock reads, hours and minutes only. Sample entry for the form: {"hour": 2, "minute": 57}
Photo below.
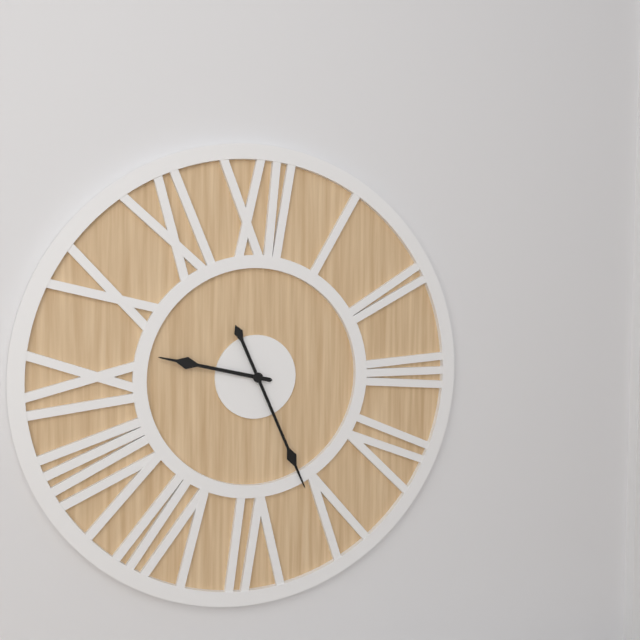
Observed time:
{"hour": 9, "minute": 26}
